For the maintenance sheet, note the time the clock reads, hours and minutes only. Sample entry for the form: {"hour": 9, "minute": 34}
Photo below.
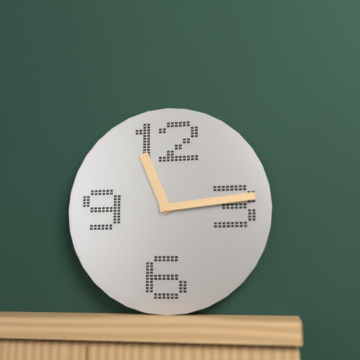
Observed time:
{"hour": 11, "minute": 14}
